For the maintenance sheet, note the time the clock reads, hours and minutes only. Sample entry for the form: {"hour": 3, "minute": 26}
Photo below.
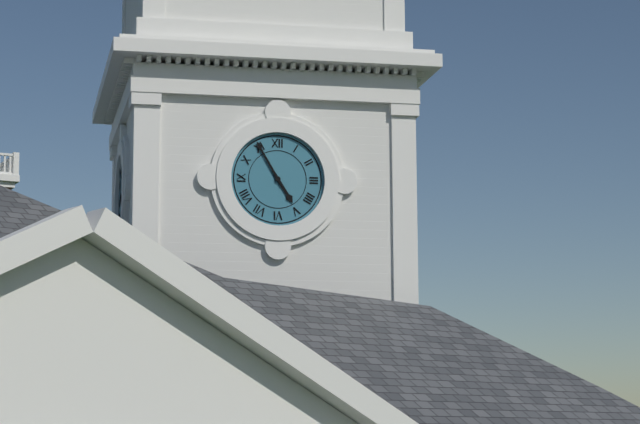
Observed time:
{"hour": 4, "minute": 55}
